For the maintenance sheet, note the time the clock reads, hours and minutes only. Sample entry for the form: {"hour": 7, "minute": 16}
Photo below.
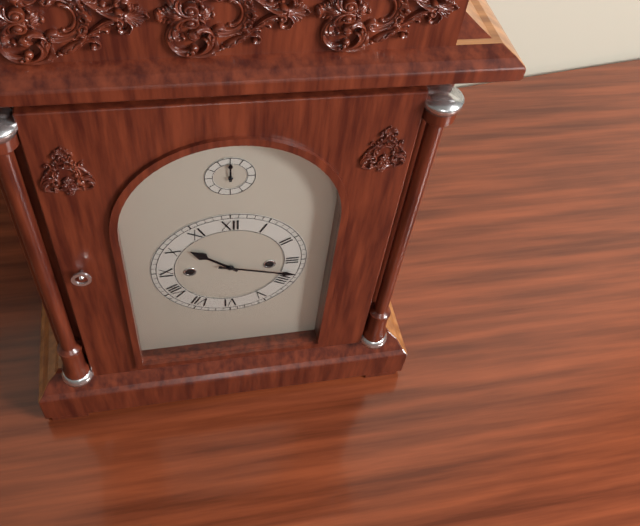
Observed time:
{"hour": 10, "minute": 18}
